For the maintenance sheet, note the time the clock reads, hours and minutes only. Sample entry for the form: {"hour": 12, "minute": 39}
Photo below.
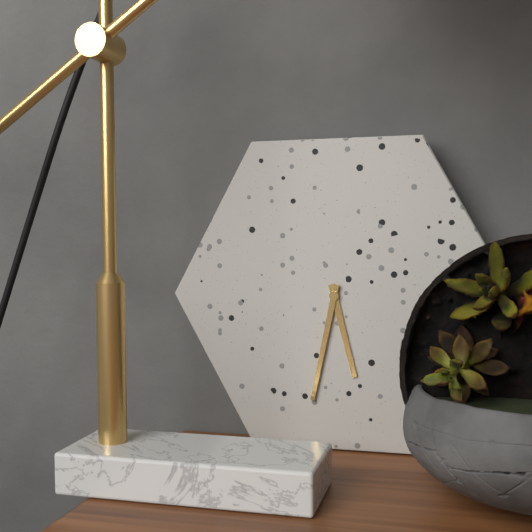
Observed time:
{"hour": 5, "minute": 32}
